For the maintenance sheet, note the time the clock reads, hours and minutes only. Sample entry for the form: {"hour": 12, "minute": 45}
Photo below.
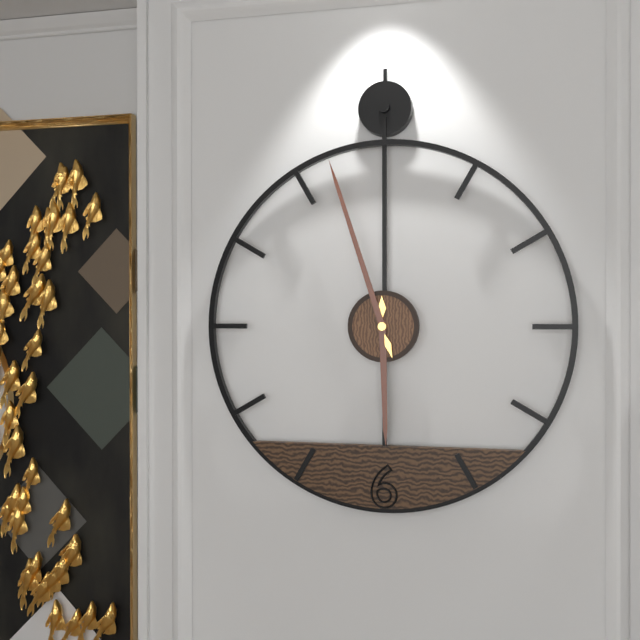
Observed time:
{"hour": 5, "minute": 57}
